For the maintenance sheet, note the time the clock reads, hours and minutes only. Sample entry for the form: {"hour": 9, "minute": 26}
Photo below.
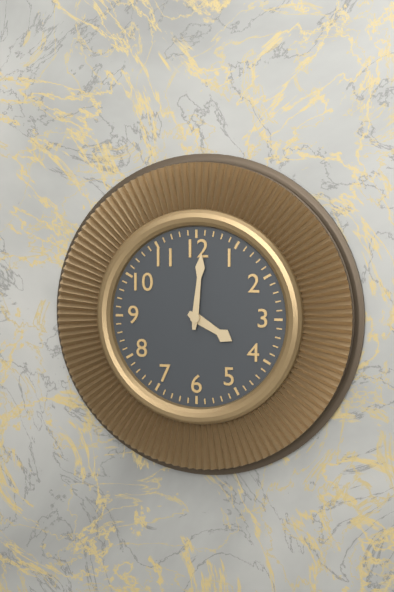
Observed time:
{"hour": 4, "minute": 1}
